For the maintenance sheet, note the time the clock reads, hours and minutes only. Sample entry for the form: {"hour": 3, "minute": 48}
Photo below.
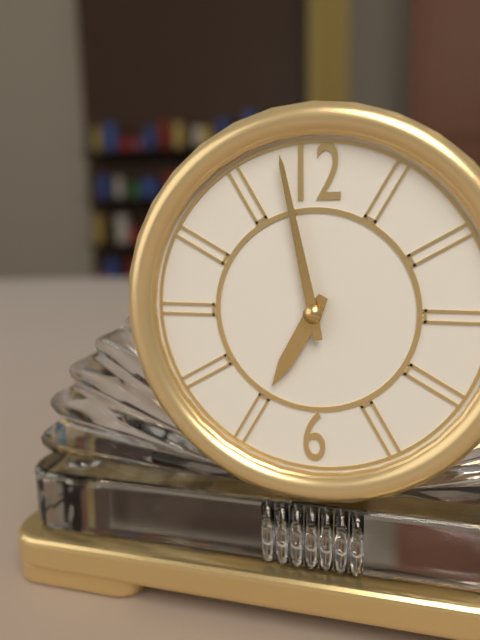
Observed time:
{"hour": 6, "minute": 58}
